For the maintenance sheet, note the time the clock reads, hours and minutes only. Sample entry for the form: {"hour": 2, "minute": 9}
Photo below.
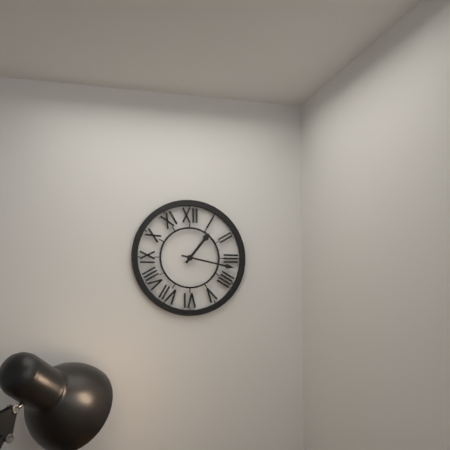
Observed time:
{"hour": 1, "minute": 17}
